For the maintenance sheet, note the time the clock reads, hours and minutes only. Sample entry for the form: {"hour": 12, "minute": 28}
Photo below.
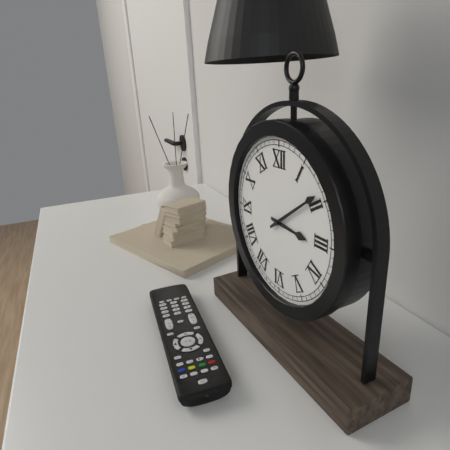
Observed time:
{"hour": 3, "minute": 9}
